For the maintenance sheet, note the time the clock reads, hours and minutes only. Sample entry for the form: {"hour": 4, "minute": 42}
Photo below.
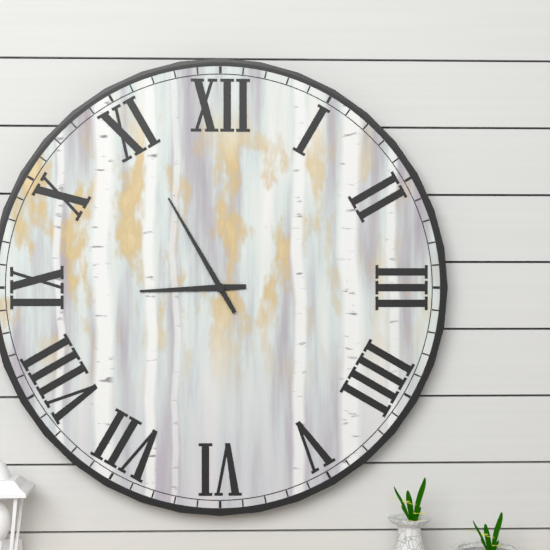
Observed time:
{"hour": 8, "minute": 55}
